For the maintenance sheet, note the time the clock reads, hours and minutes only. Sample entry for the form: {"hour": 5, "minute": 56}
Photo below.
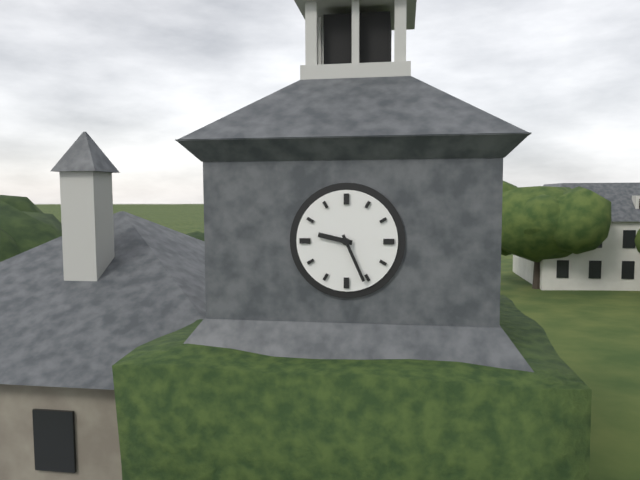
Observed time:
{"hour": 9, "minute": 26}
